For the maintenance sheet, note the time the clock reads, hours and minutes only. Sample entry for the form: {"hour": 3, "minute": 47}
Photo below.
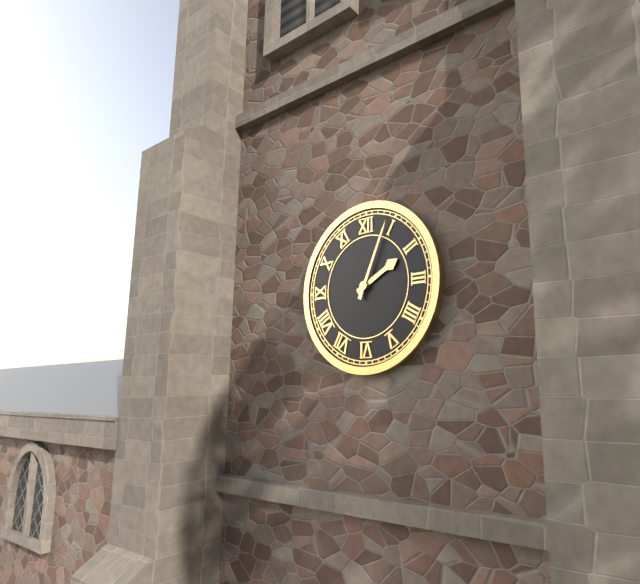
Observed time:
{"hour": 2, "minute": 4}
